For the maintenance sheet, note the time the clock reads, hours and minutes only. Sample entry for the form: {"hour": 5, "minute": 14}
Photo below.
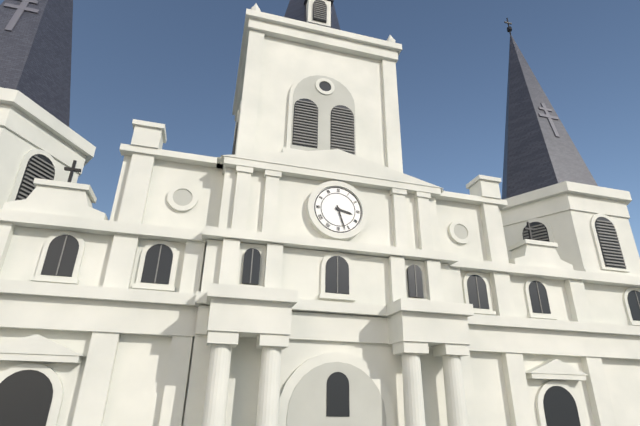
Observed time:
{"hour": 3, "minute": 27}
